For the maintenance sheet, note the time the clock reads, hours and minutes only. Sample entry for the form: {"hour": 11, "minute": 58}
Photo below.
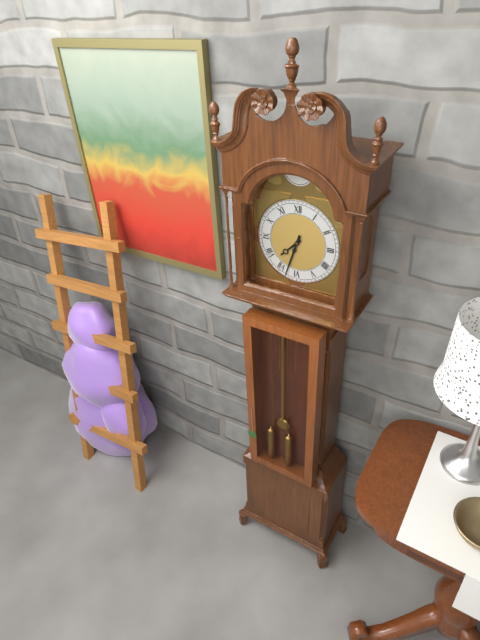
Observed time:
{"hour": 7, "minute": 33}
